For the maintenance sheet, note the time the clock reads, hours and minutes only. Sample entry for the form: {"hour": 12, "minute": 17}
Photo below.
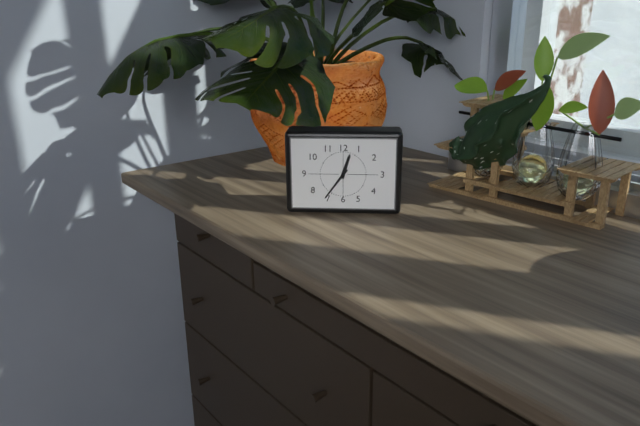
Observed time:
{"hour": 12, "minute": 36}
